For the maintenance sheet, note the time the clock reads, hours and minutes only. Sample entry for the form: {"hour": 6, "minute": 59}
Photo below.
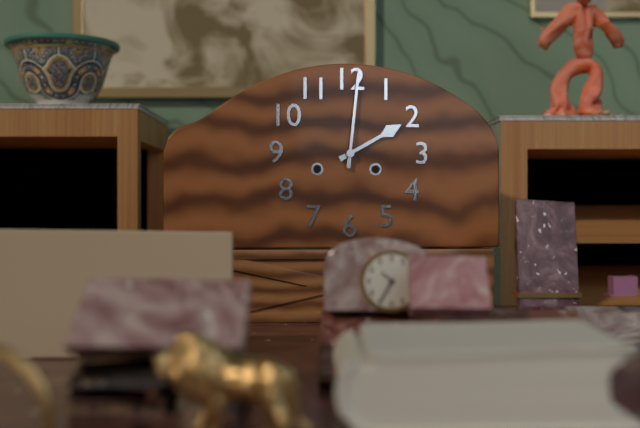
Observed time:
{"hour": 2, "minute": 1}
